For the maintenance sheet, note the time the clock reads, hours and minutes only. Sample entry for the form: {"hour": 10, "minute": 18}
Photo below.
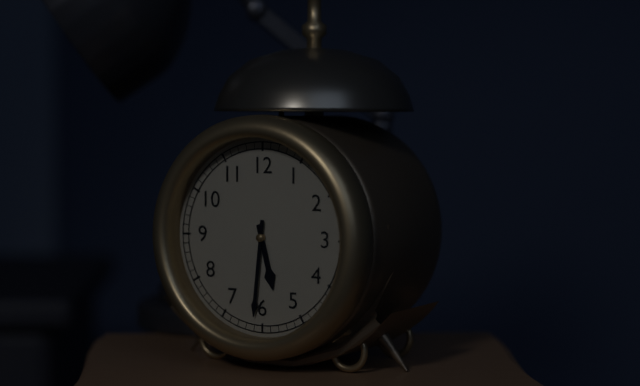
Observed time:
{"hour": 5, "minute": 31}
